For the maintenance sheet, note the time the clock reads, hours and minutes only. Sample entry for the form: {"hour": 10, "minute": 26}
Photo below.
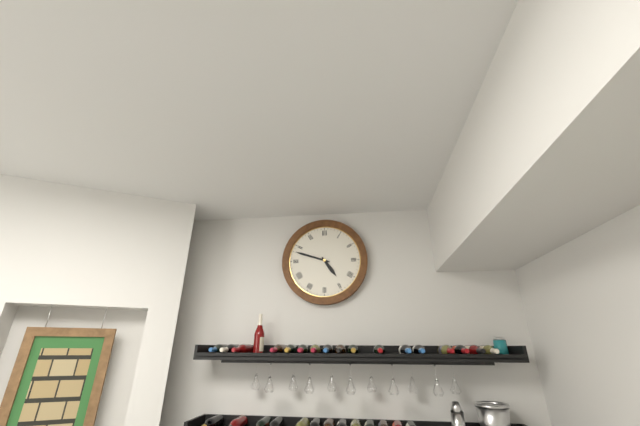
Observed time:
{"hour": 4, "minute": 48}
